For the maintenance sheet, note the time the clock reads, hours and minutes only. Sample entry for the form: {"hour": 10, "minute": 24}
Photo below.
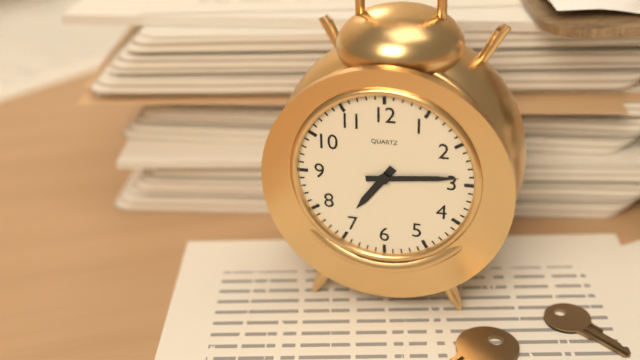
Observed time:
{"hour": 7, "minute": 14}
